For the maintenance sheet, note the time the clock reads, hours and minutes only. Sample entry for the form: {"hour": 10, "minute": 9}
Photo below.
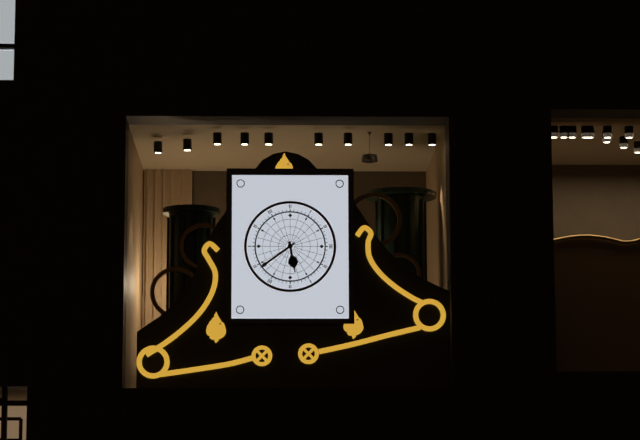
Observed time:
{"hour": 5, "minute": 39}
